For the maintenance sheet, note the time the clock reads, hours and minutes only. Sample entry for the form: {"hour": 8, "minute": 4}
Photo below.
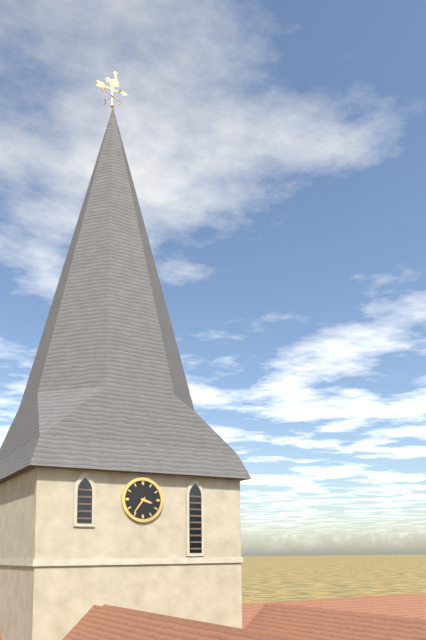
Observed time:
{"hour": 3, "minute": 36}
